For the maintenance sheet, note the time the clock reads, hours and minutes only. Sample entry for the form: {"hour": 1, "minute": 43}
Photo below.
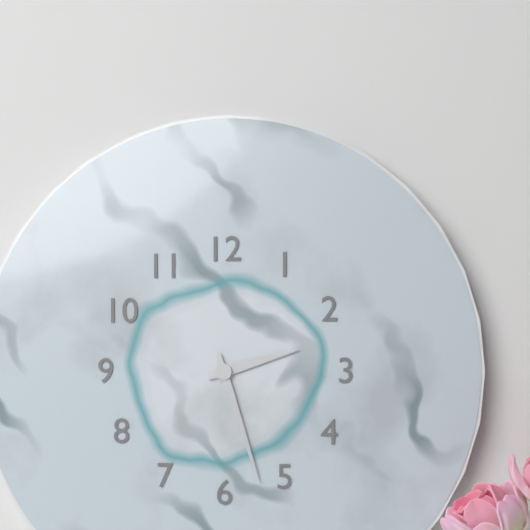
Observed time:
{"hour": 2, "minute": 27}
